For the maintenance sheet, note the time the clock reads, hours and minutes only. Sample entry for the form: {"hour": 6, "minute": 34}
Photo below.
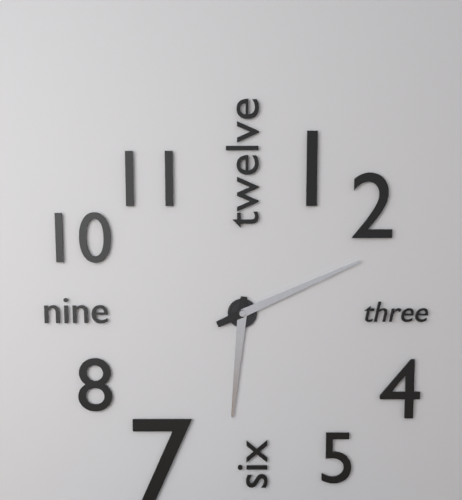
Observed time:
{"hour": 6, "minute": 11}
